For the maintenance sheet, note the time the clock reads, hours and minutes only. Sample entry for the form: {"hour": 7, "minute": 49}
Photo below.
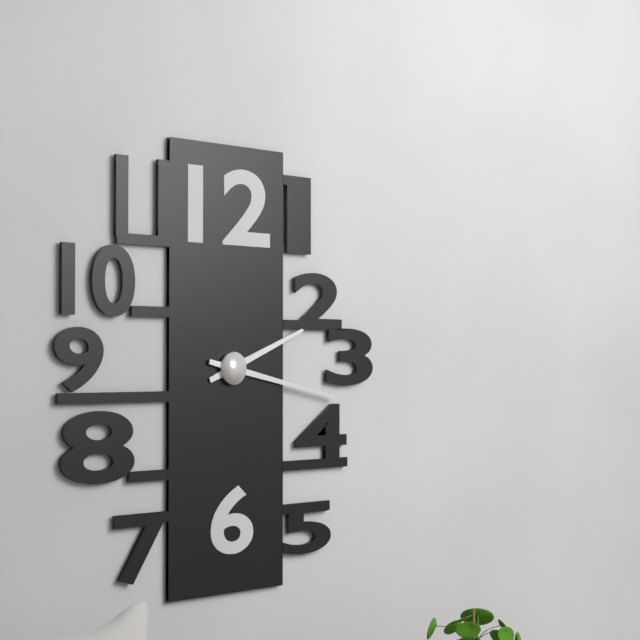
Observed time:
{"hour": 2, "minute": 17}
